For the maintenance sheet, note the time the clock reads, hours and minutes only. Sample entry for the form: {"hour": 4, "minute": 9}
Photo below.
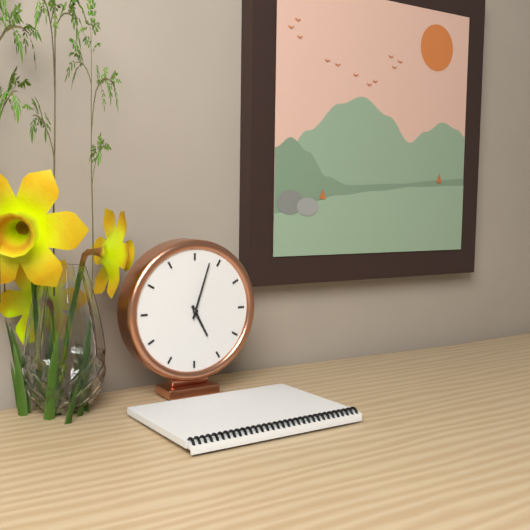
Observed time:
{"hour": 5, "minute": 3}
